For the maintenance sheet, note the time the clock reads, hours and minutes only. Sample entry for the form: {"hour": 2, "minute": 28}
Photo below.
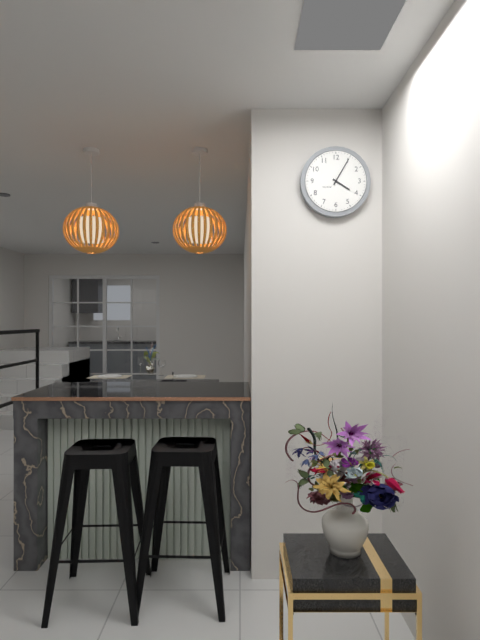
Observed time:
{"hour": 4, "minute": 5}
